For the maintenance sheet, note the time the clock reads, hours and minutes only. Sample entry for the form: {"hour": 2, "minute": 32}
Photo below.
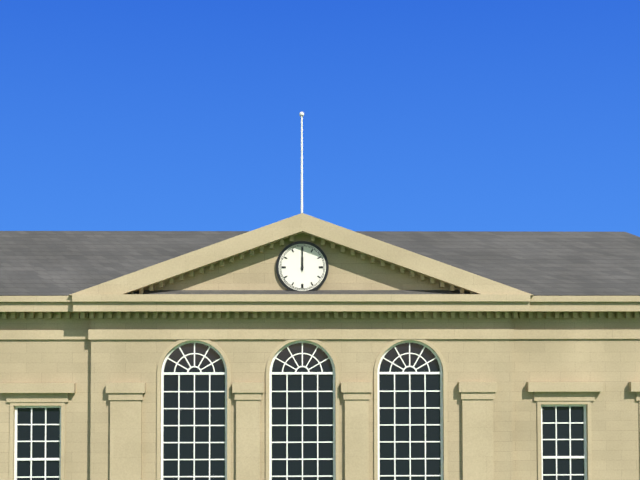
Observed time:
{"hour": 12, "minute": 0}
